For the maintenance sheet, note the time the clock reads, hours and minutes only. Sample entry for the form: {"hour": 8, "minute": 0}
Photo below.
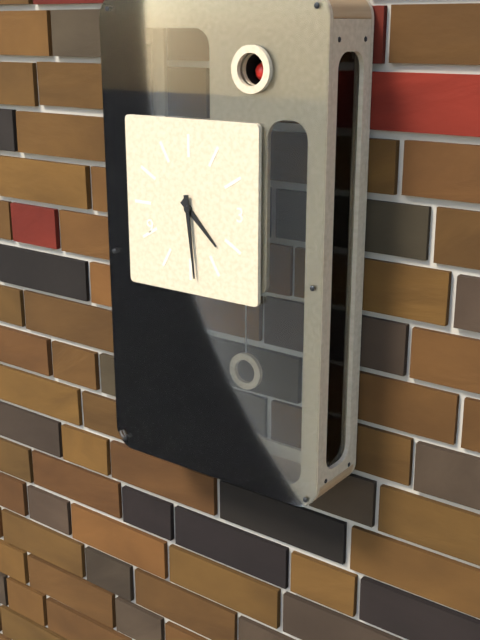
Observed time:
{"hour": 4, "minute": 29}
